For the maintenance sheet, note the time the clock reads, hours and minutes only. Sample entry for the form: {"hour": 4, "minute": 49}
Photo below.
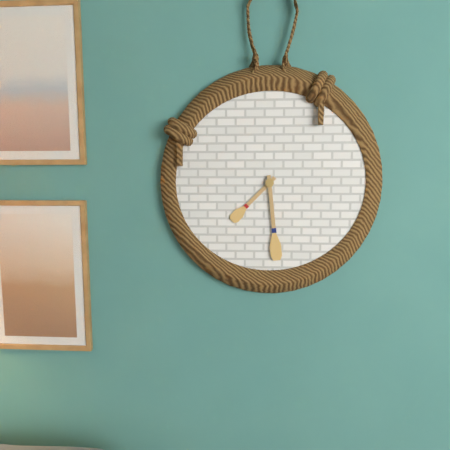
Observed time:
{"hour": 7, "minute": 29}
